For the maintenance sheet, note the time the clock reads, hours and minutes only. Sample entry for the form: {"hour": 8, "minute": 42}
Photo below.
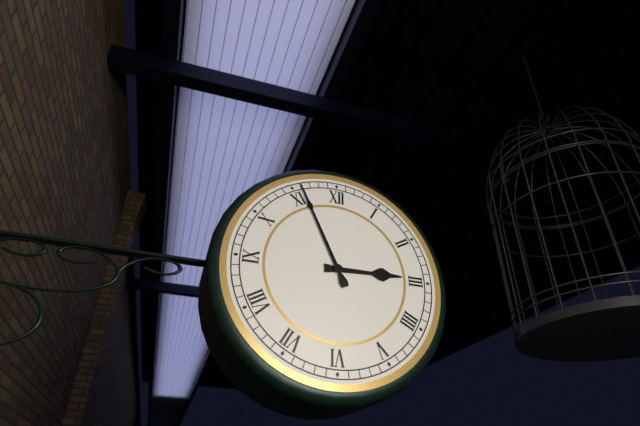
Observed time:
{"hour": 2, "minute": 56}
